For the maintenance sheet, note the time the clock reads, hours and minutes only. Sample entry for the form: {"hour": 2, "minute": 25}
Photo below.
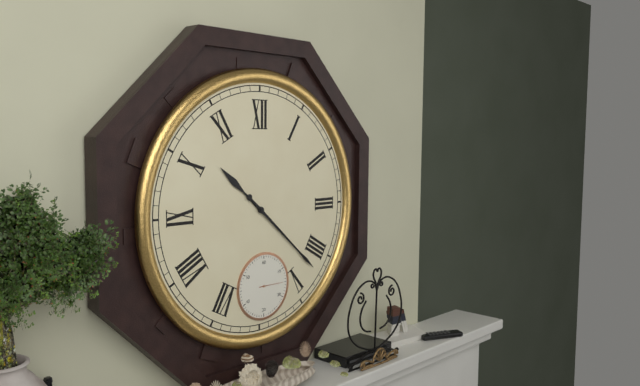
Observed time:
{"hour": 10, "minute": 22}
